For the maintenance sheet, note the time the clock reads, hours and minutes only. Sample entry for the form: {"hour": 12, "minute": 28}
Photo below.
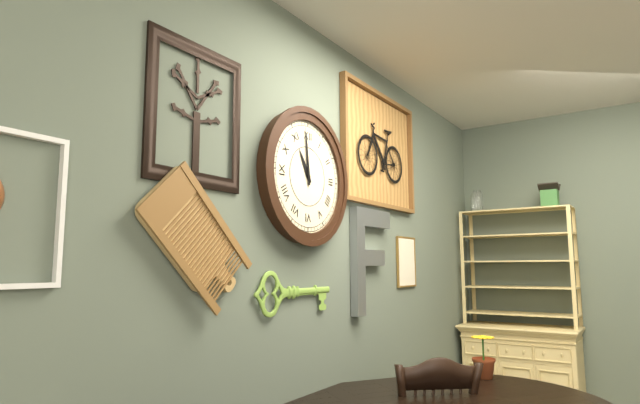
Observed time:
{"hour": 10, "minute": 59}
